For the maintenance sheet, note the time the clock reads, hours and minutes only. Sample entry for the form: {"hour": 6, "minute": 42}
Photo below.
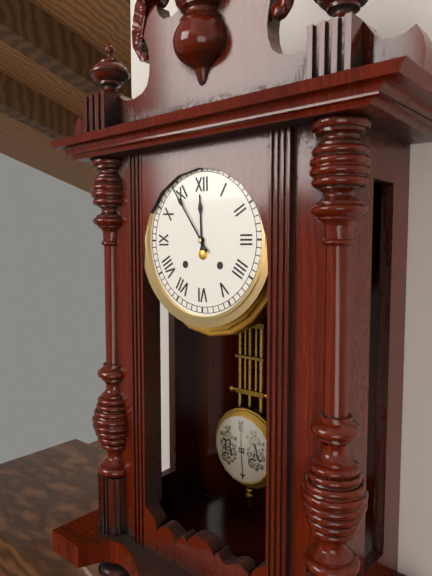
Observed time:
{"hour": 11, "minute": 54}
